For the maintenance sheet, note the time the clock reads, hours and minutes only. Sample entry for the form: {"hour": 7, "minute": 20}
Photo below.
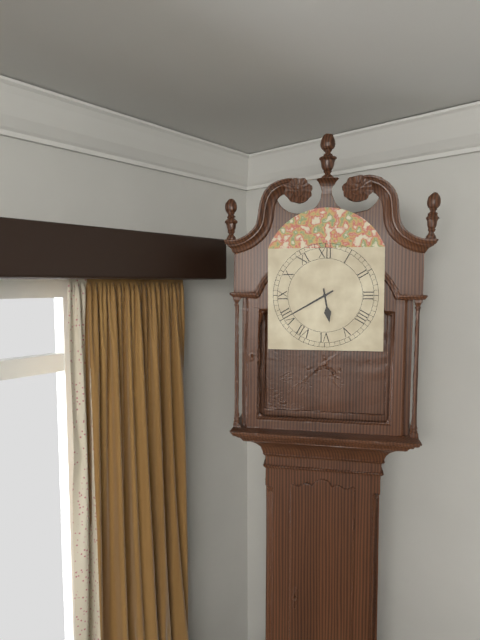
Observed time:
{"hour": 5, "minute": 40}
